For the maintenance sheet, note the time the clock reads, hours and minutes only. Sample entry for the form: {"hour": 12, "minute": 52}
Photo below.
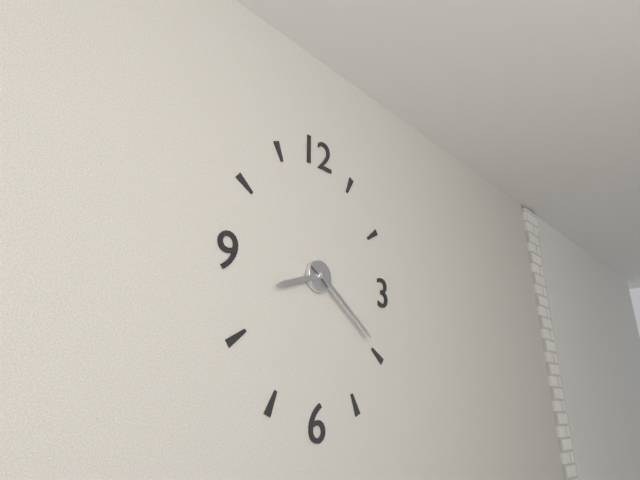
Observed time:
{"hour": 8, "minute": 21}
